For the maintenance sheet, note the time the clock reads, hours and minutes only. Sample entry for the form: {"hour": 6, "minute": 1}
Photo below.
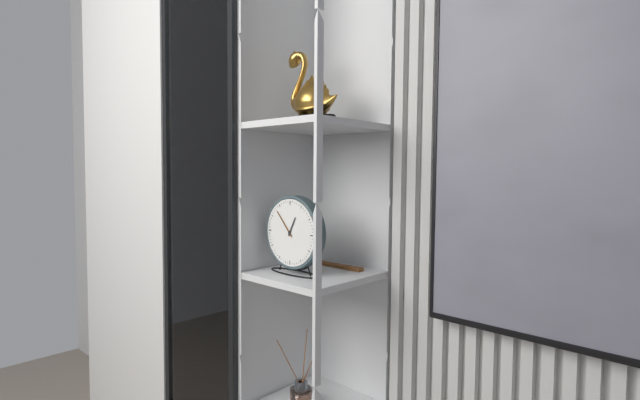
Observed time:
{"hour": 12, "minute": 53}
